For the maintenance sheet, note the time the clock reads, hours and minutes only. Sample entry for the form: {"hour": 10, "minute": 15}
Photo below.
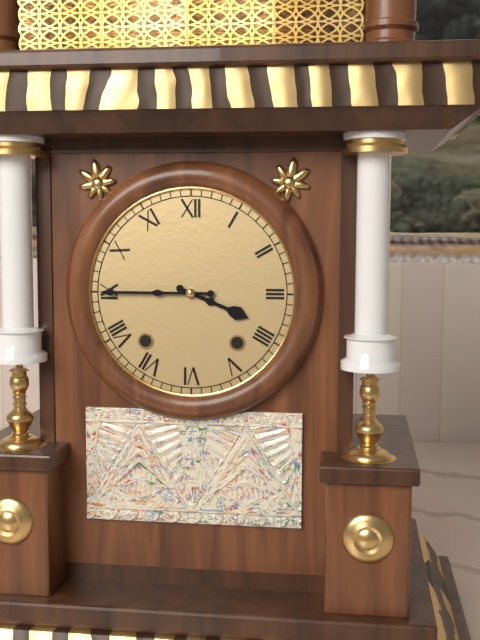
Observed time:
{"hour": 3, "minute": 45}
